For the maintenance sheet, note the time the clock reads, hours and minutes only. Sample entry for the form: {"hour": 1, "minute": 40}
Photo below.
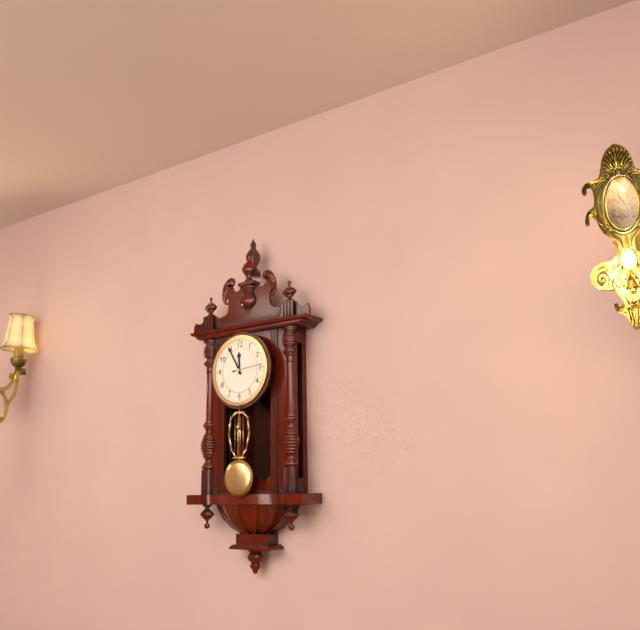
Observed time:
{"hour": 11, "minute": 55}
